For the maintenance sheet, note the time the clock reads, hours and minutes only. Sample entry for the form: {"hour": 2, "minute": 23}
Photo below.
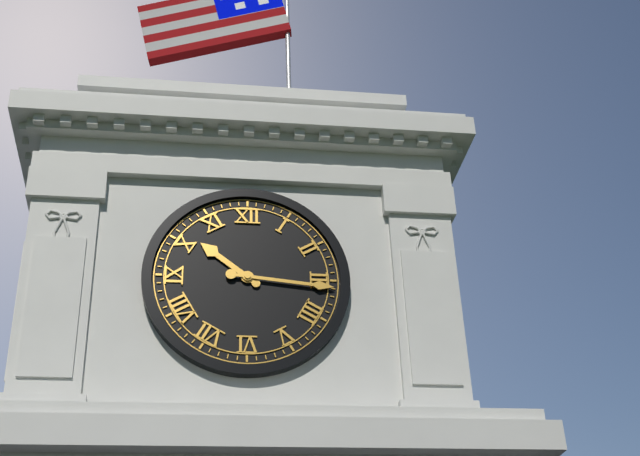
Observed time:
{"hour": 10, "minute": 16}
